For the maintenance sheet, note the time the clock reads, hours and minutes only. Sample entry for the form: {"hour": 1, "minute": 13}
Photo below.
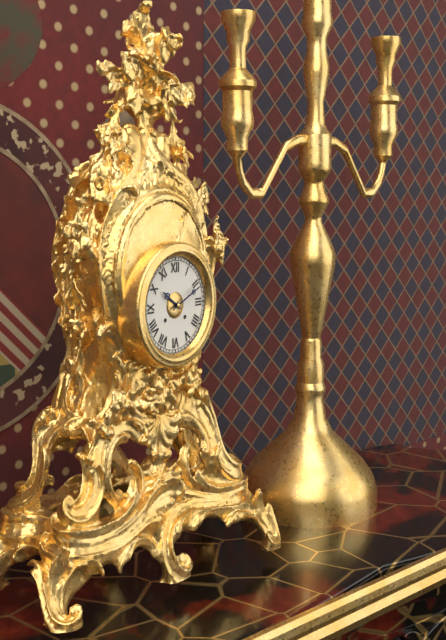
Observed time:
{"hour": 10, "minute": 11}
